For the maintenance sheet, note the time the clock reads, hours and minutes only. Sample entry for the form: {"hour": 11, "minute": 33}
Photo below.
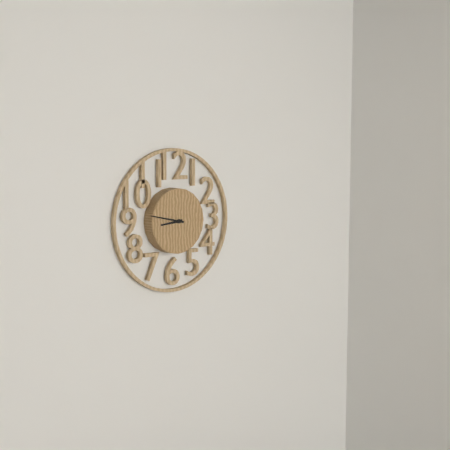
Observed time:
{"hour": 8, "minute": 47}
